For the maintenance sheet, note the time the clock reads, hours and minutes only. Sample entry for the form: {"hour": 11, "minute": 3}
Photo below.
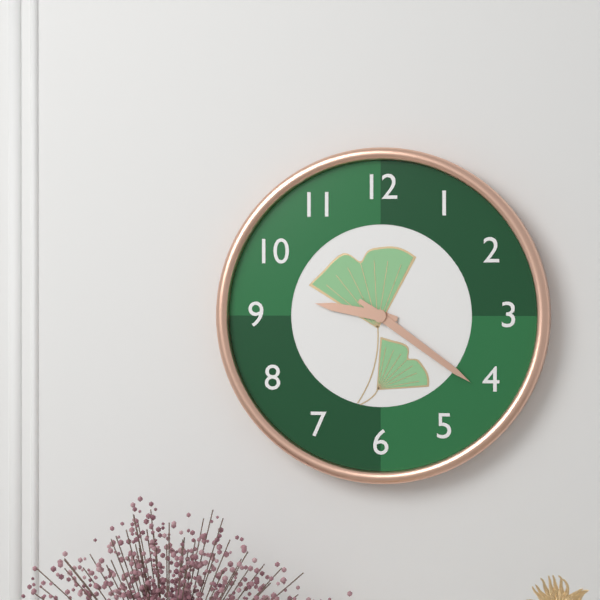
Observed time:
{"hour": 9, "minute": 21}
